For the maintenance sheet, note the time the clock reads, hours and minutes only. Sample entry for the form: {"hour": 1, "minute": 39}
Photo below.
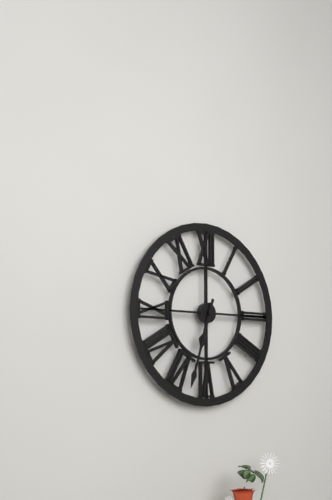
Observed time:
{"hour": 6, "minute": 33}
